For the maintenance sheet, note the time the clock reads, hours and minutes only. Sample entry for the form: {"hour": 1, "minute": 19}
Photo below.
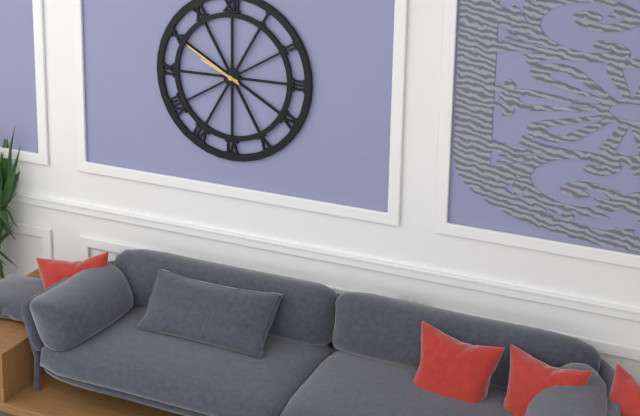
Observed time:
{"hour": 9, "minute": 50}
